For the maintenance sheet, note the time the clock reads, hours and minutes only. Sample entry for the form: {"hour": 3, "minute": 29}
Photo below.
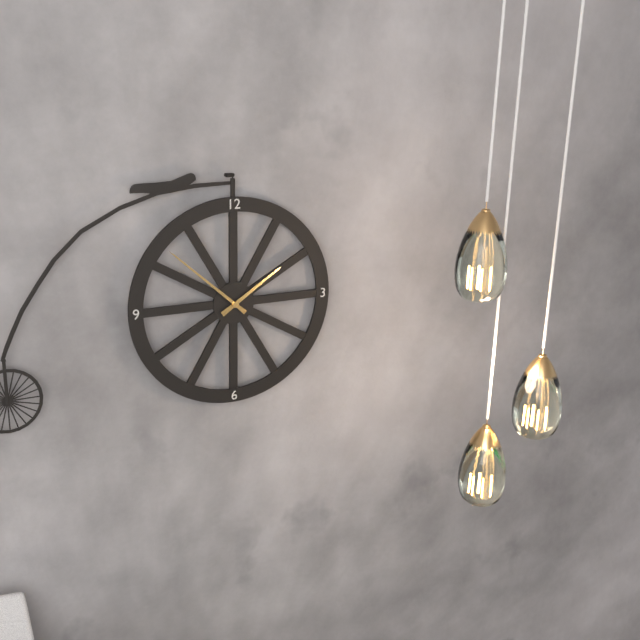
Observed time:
{"hour": 1, "minute": 52}
